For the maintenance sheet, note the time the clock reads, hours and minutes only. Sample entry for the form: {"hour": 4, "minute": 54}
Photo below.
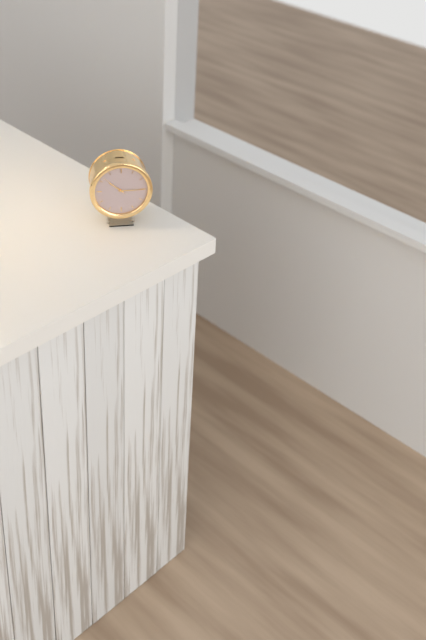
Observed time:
{"hour": 10, "minute": 15}
